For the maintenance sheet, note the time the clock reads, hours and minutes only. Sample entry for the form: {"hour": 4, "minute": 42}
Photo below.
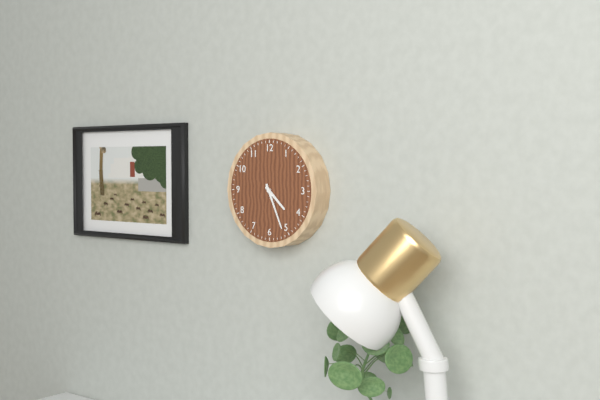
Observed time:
{"hour": 4, "minute": 26}
